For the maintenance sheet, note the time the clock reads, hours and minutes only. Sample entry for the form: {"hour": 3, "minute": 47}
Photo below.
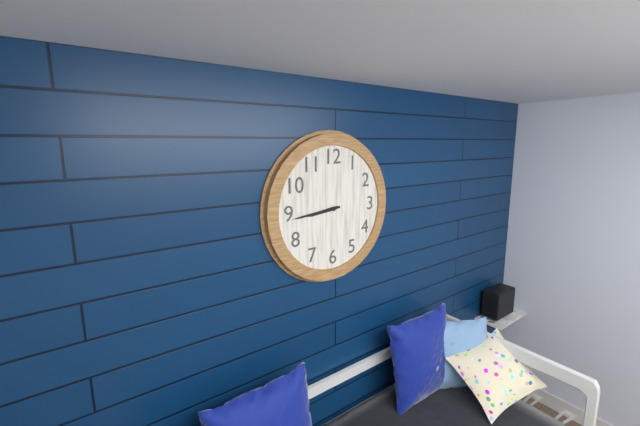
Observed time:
{"hour": 8, "minute": 44}
